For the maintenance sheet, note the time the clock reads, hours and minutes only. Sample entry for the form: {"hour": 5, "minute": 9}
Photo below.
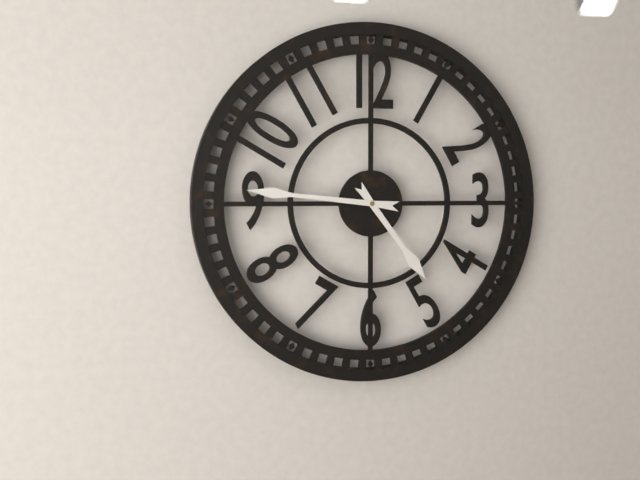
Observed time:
{"hour": 4, "minute": 46}
